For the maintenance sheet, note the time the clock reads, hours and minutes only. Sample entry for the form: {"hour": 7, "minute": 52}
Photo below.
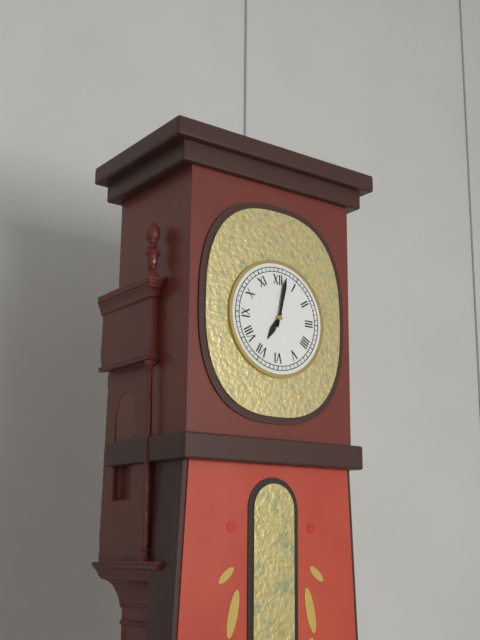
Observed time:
{"hour": 7, "minute": 2}
